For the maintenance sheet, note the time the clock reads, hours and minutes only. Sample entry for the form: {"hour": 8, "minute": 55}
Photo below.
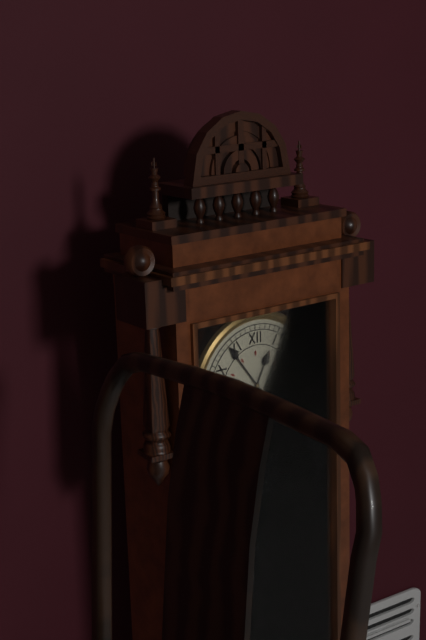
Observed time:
{"hour": 12, "minute": 54}
